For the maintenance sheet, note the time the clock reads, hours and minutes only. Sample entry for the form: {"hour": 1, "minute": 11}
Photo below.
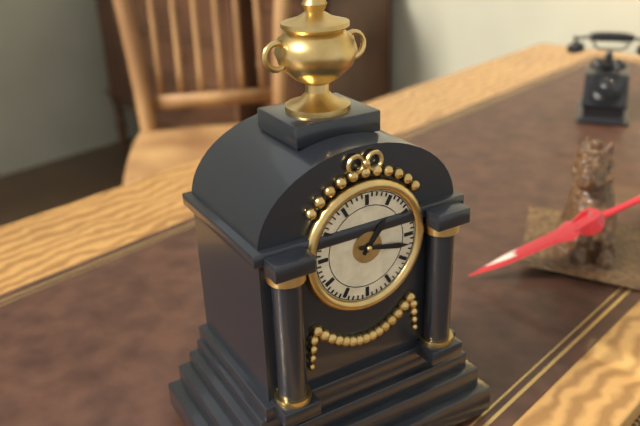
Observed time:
{"hour": 1, "minute": 17}
